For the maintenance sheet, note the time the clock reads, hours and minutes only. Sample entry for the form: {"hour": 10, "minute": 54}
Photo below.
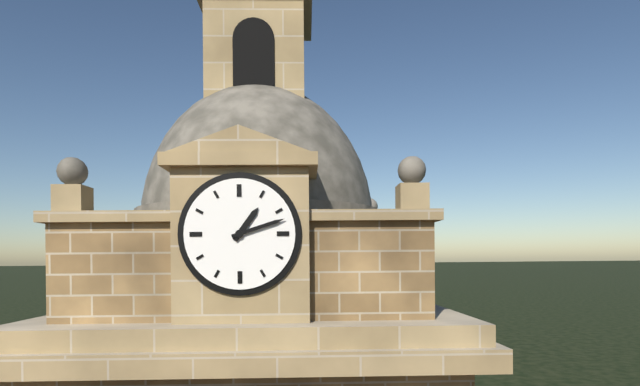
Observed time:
{"hour": 1, "minute": 12}
